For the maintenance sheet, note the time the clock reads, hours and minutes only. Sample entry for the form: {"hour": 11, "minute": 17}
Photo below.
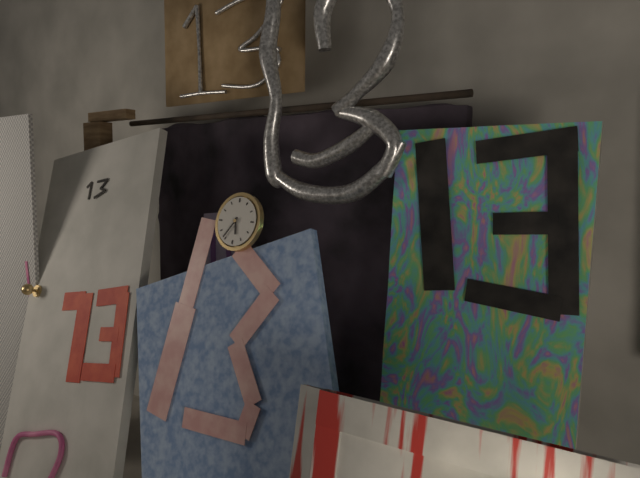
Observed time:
{"hour": 5, "minute": 36}
